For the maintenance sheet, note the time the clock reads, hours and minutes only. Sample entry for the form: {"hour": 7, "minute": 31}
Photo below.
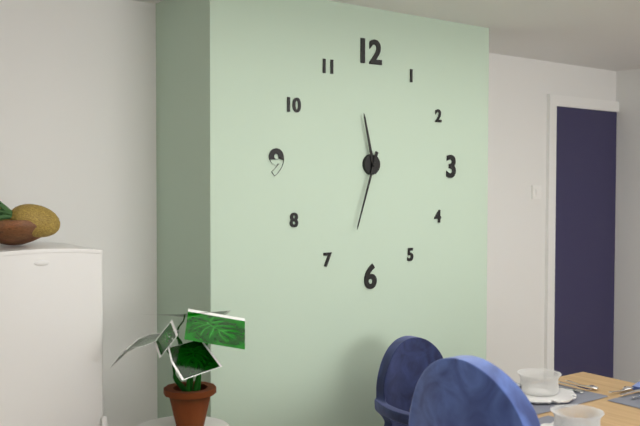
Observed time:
{"hour": 11, "minute": 33}
